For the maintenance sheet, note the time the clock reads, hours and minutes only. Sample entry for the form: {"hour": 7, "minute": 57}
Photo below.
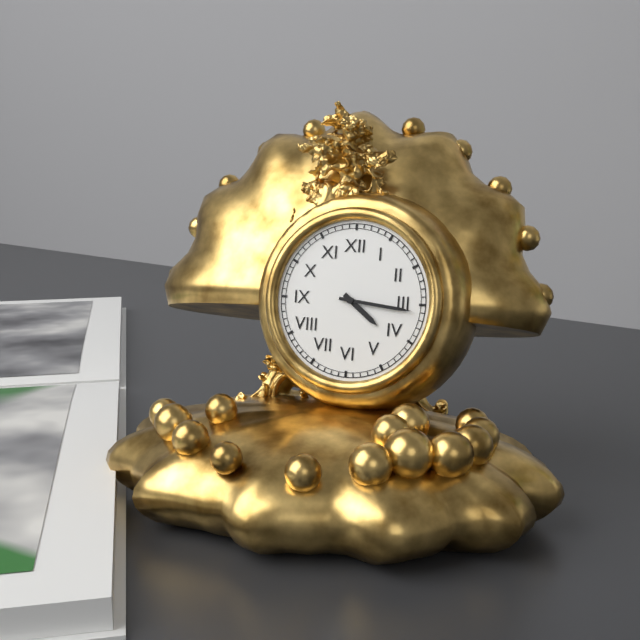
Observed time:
{"hour": 4, "minute": 16}
